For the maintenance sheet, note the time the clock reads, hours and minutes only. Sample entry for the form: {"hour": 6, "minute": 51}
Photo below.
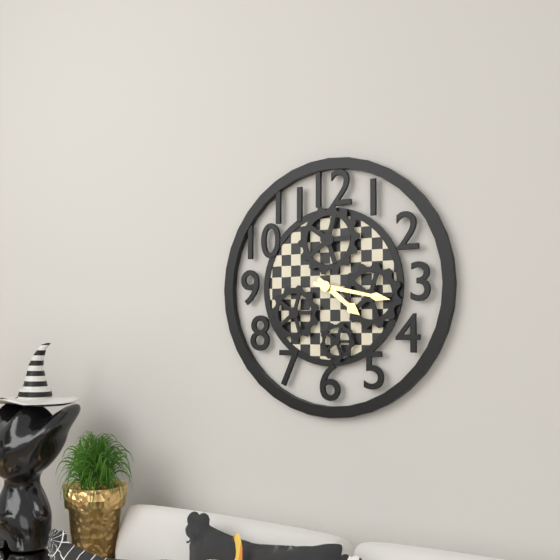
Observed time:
{"hour": 4, "minute": 17}
